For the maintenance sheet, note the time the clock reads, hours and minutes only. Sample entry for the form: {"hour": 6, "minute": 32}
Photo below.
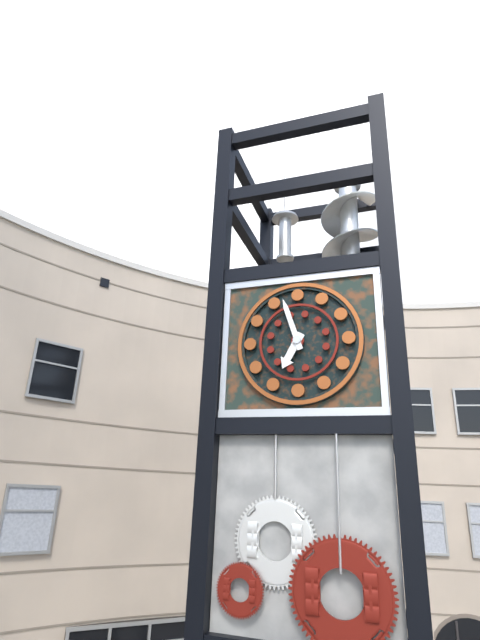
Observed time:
{"hour": 6, "minute": 57}
